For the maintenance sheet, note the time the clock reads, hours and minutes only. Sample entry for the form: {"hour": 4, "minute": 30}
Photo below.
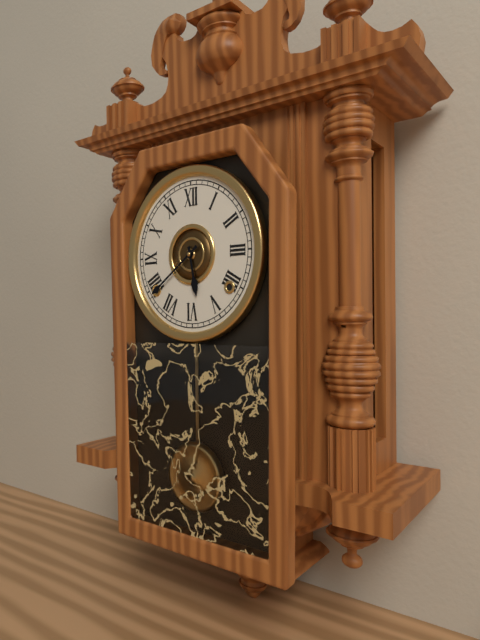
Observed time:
{"hour": 5, "minute": 39}
